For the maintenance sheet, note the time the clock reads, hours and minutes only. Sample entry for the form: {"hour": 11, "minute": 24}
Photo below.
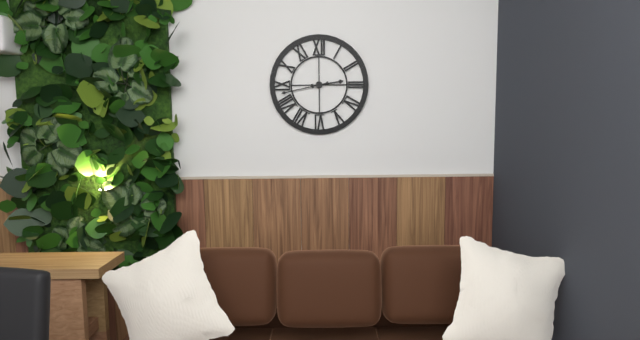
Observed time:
{"hour": 2, "minute": 43}
